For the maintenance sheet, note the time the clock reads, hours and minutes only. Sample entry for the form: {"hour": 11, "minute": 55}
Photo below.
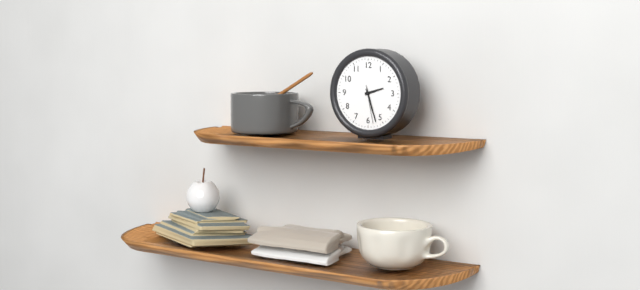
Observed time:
{"hour": 2, "minute": 27}
